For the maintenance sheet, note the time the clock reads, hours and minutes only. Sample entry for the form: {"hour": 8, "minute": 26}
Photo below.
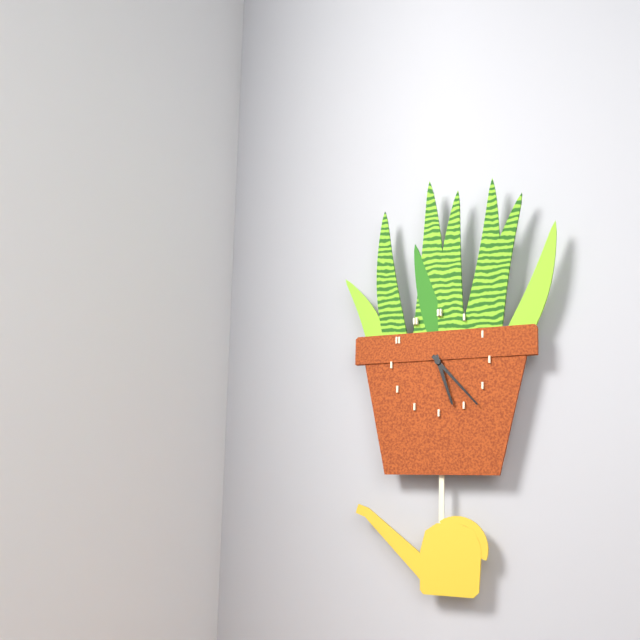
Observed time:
{"hour": 5, "minute": 23}
